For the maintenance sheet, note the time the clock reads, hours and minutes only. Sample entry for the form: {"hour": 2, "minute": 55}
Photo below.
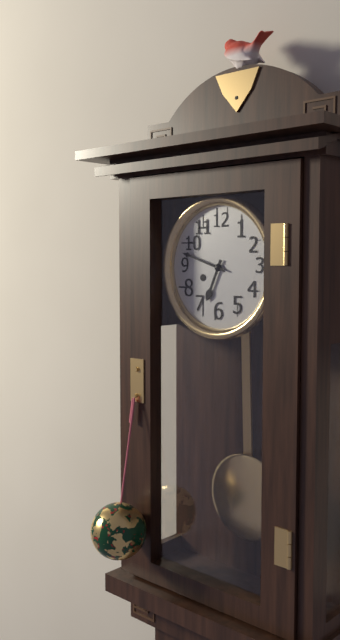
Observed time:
{"hour": 6, "minute": 48}
